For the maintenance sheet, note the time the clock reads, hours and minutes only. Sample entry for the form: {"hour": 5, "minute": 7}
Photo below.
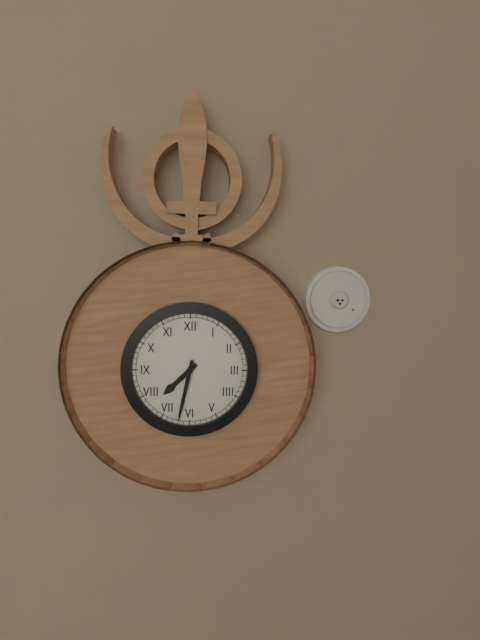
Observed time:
{"hour": 7, "minute": 32}
